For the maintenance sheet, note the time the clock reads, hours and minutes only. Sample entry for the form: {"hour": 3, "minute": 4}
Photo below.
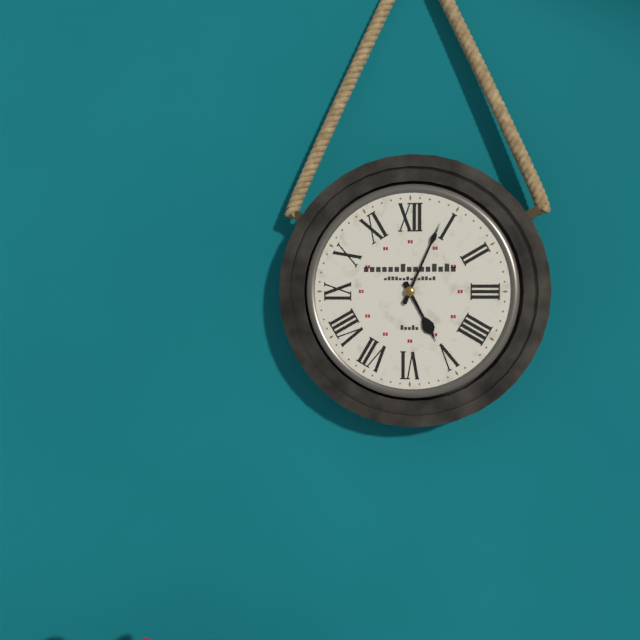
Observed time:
{"hour": 5, "minute": 4}
